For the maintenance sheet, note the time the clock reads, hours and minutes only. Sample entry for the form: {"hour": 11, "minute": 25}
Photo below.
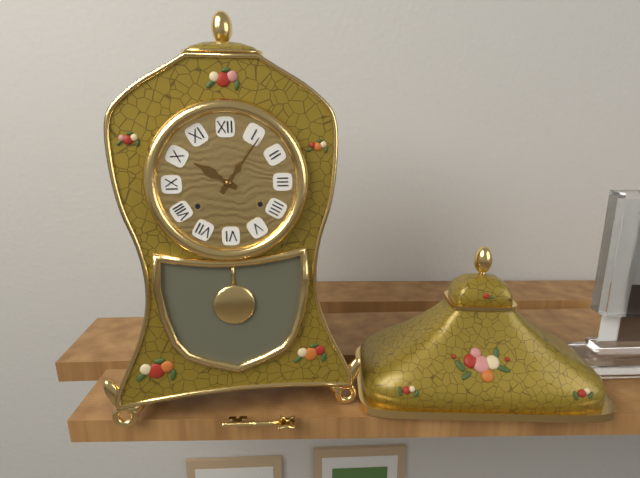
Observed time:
{"hour": 10, "minute": 6}
